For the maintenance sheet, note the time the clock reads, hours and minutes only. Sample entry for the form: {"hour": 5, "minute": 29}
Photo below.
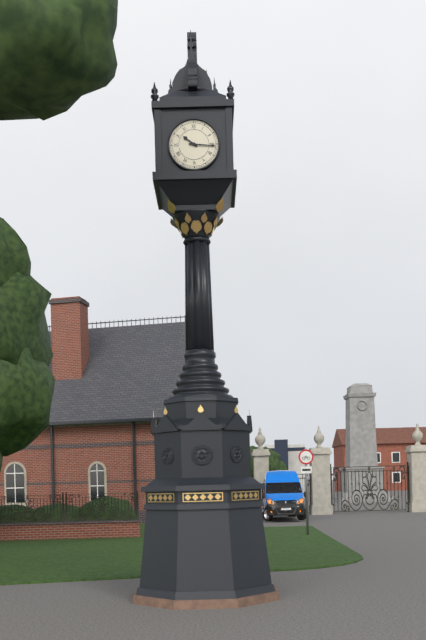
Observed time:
{"hour": 10, "minute": 16}
